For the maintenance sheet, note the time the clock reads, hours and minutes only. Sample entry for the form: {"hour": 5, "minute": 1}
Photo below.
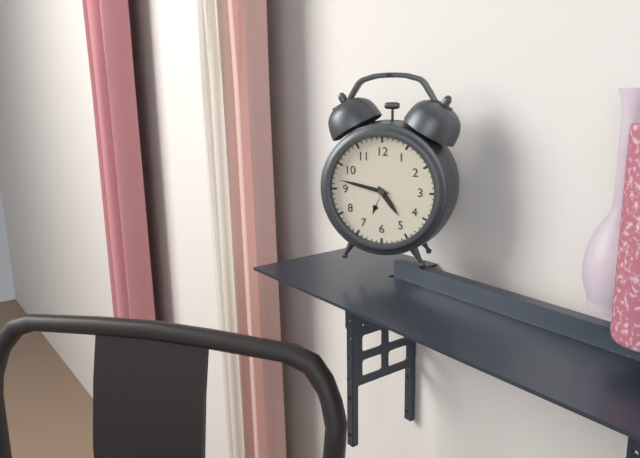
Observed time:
{"hour": 4, "minute": 47}
